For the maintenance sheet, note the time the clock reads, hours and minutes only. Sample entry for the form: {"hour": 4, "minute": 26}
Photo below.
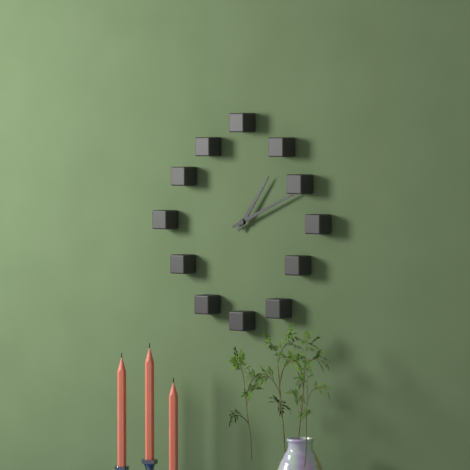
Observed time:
{"hour": 1, "minute": 11}
